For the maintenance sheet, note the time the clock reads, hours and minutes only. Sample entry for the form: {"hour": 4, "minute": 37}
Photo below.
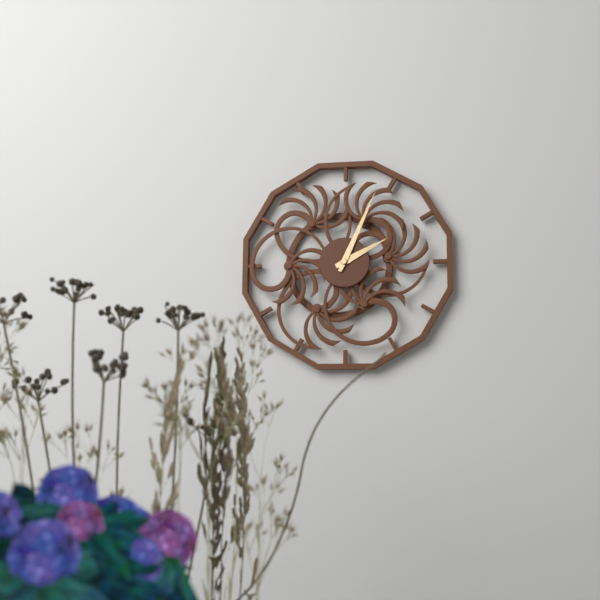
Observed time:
{"hour": 2, "minute": 4}
